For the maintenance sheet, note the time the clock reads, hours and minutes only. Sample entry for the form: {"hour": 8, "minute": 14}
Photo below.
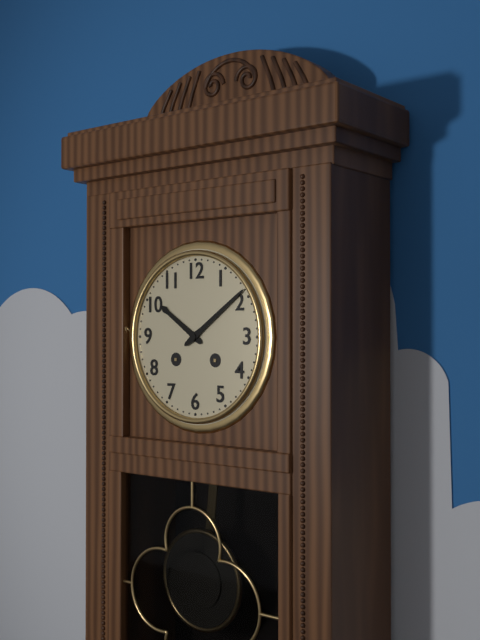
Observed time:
{"hour": 10, "minute": 9}
